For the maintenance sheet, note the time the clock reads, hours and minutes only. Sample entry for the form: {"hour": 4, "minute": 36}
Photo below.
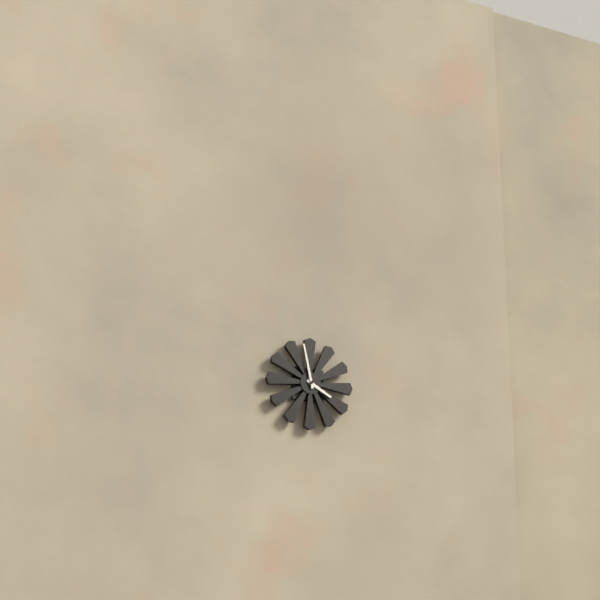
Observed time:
{"hour": 3, "minute": 58}
